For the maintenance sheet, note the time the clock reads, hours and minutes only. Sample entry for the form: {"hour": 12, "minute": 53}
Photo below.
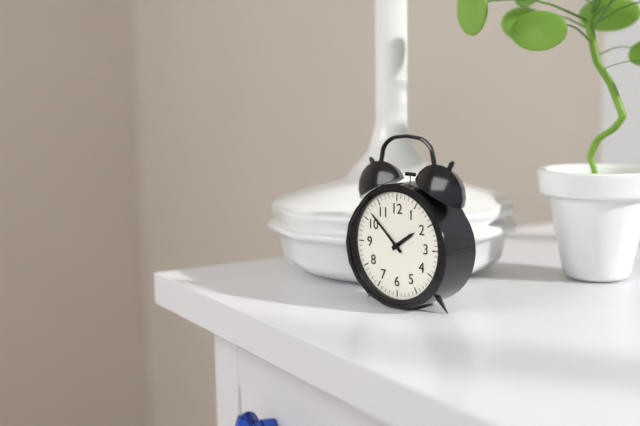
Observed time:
{"hour": 1, "minute": 52}
